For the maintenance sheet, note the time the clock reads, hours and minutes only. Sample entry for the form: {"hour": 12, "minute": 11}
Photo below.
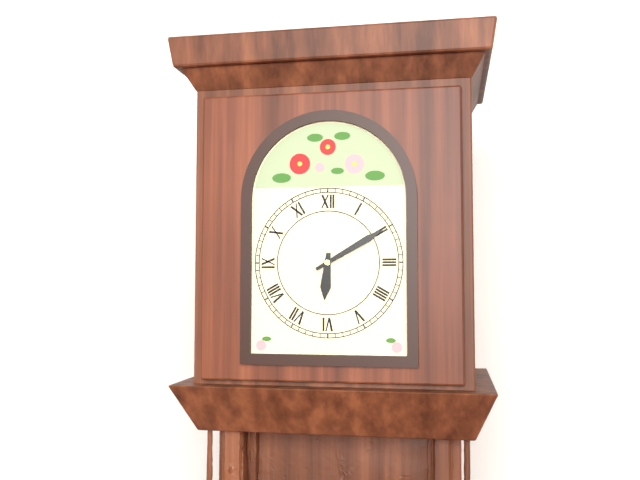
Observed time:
{"hour": 6, "minute": 10}
